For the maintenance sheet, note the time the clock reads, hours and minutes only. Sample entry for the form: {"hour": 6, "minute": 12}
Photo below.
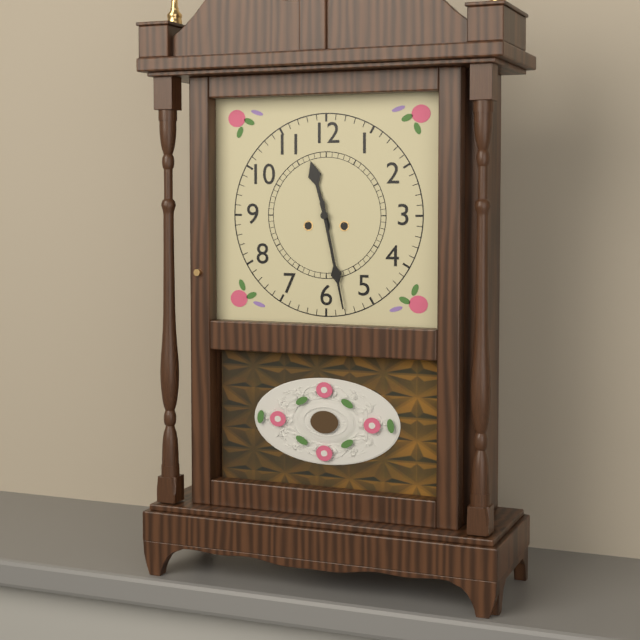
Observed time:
{"hour": 11, "minute": 28}
